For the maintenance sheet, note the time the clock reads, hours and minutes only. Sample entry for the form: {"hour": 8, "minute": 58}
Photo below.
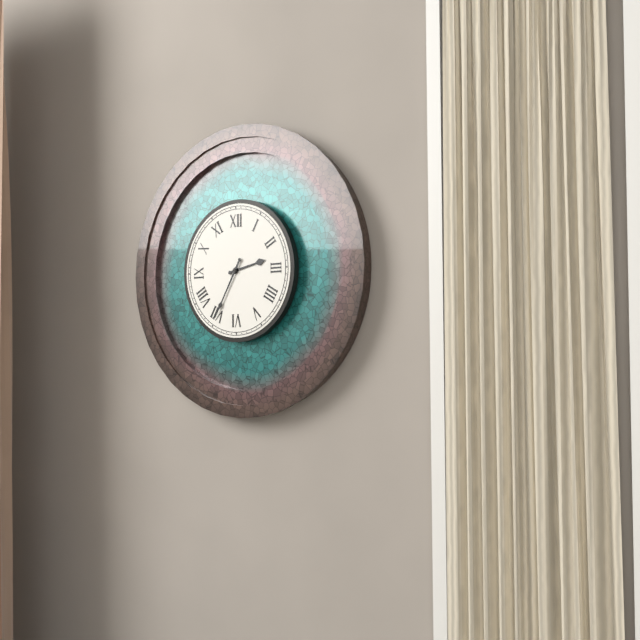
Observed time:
{"hour": 2, "minute": 35}
